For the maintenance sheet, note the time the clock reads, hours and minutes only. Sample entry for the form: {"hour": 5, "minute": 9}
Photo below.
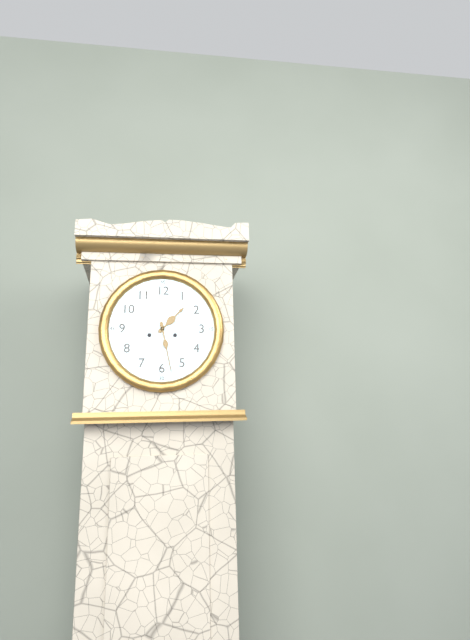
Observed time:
{"hour": 1, "minute": 28}
